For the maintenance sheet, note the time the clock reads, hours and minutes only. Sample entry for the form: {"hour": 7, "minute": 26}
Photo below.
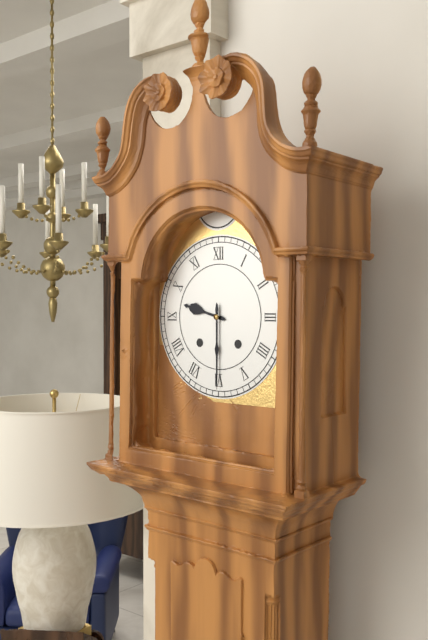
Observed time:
{"hour": 9, "minute": 30}
